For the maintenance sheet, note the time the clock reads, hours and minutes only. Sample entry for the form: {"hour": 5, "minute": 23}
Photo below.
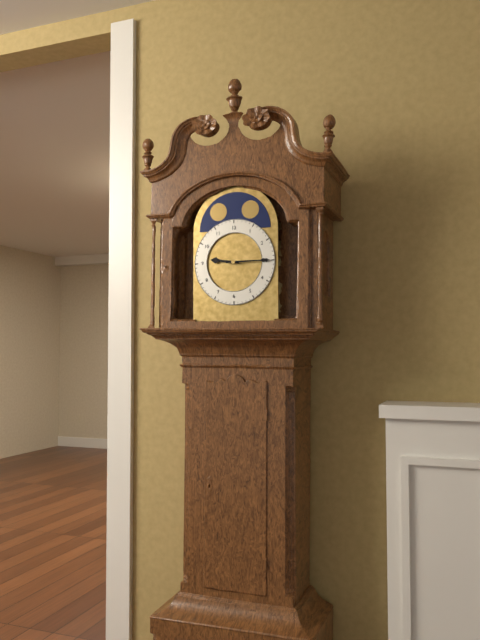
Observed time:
{"hour": 9, "minute": 15}
